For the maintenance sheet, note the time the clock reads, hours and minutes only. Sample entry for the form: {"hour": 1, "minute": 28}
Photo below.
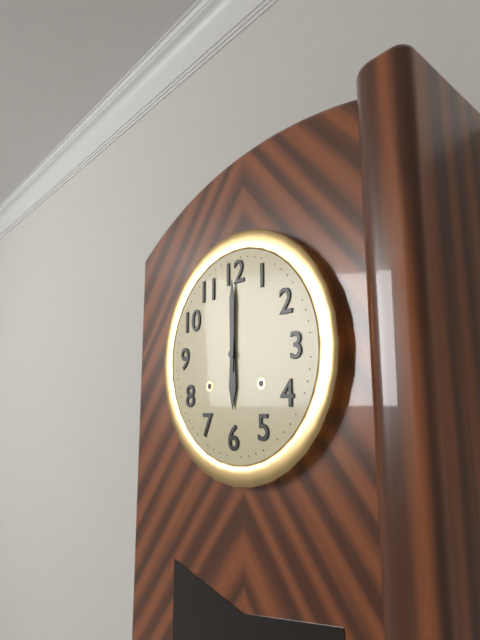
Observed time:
{"hour": 6, "minute": 0}
